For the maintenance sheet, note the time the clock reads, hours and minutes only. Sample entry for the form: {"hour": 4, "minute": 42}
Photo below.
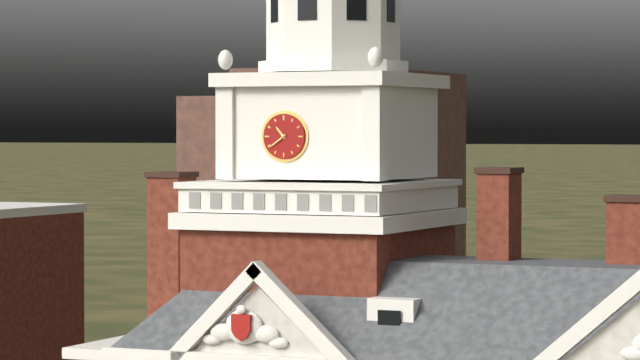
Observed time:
{"hour": 10, "minute": 39}
